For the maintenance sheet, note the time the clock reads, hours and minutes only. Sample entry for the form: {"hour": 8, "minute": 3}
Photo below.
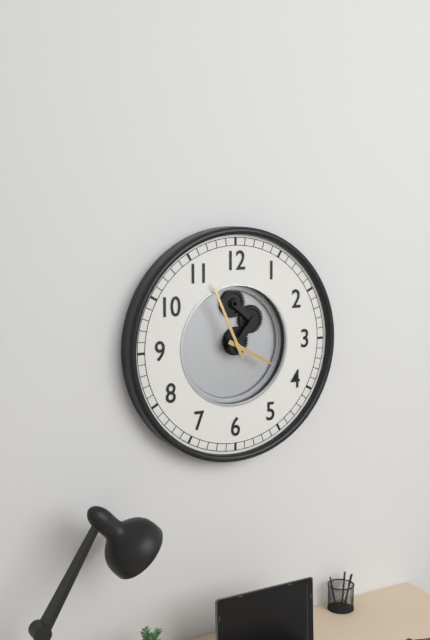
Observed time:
{"hour": 3, "minute": 56}
